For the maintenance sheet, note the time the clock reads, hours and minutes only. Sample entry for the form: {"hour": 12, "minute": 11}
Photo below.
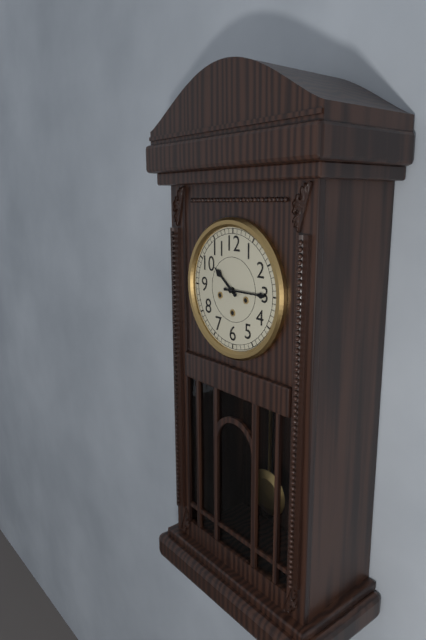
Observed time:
{"hour": 10, "minute": 15}
